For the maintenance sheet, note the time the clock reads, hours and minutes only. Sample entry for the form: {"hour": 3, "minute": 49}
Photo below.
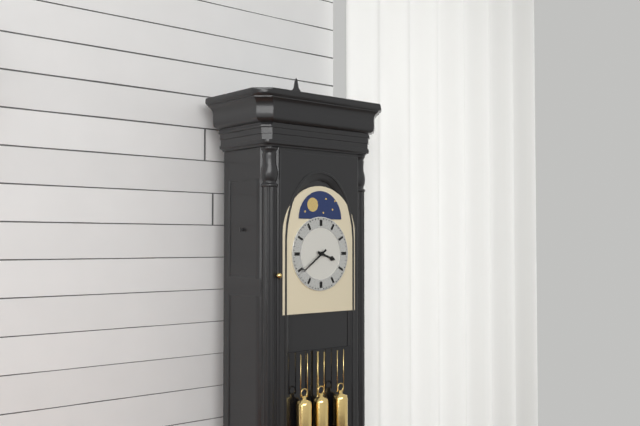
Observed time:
{"hour": 3, "minute": 39}
